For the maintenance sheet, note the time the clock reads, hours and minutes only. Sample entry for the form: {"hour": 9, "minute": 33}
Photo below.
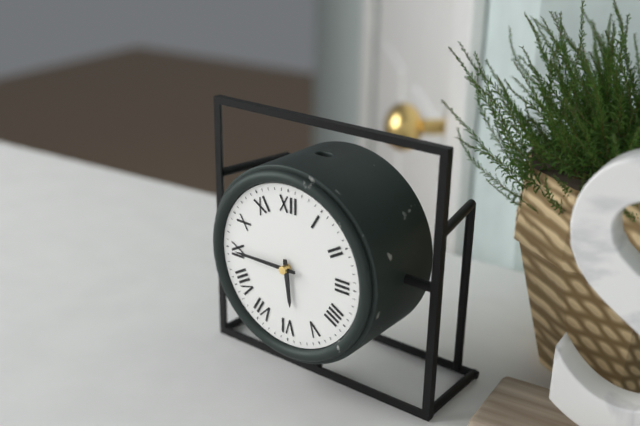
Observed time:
{"hour": 5, "minute": 45}
